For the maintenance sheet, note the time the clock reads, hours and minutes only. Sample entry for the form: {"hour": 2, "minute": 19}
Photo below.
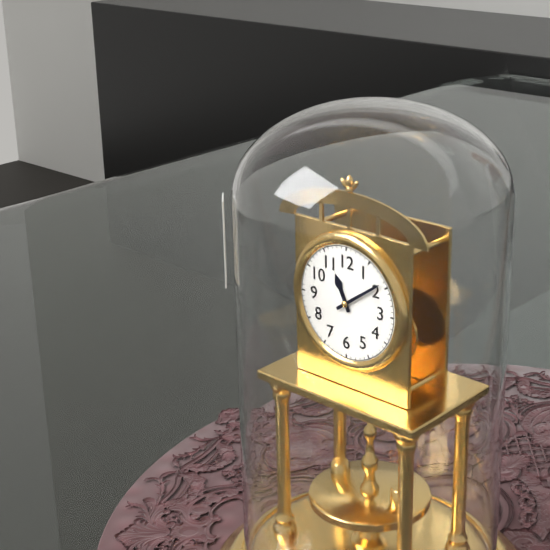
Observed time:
{"hour": 11, "minute": 9}
